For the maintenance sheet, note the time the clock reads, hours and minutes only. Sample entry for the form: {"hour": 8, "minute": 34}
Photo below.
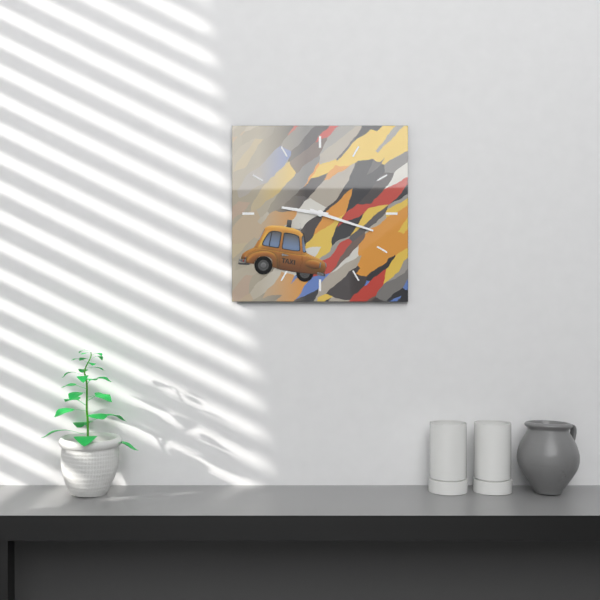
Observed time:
{"hour": 9, "minute": 18}
